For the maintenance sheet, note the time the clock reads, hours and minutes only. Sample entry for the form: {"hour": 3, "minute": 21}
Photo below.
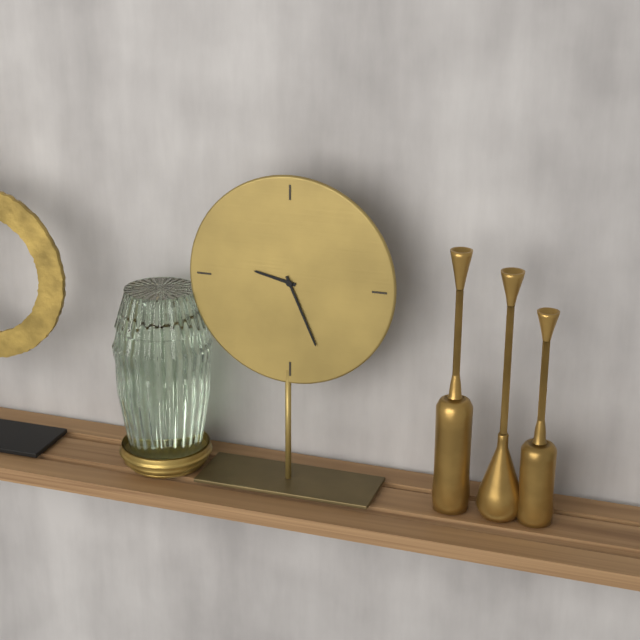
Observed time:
{"hour": 9, "minute": 26}
